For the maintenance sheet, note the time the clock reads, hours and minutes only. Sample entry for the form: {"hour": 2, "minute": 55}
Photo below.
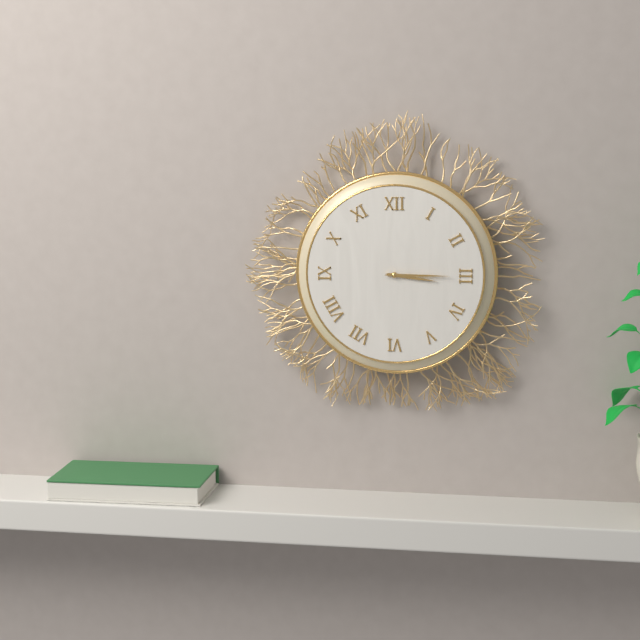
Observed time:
{"hour": 3, "minute": 15}
